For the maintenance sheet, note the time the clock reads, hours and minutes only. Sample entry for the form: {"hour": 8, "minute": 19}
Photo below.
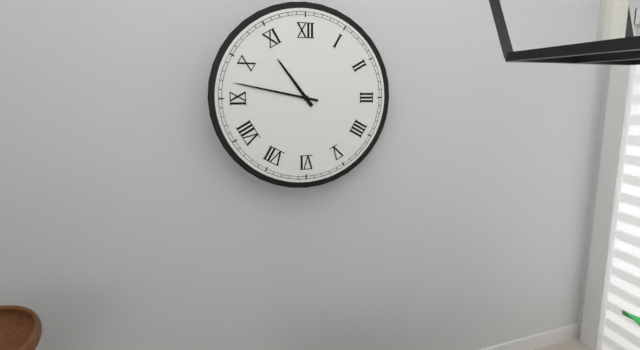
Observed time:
{"hour": 10, "minute": 47}
